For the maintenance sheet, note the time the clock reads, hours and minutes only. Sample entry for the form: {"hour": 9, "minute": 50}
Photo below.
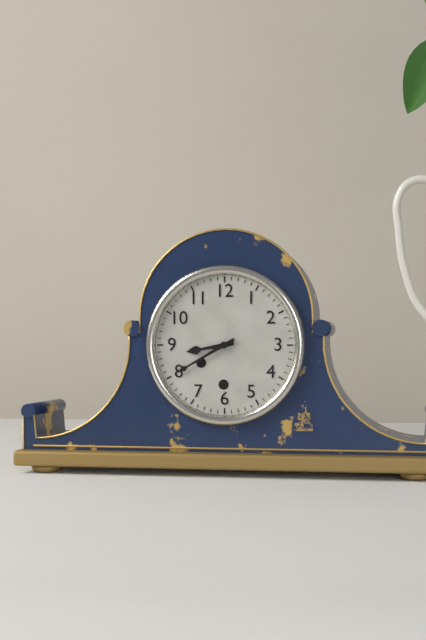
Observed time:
{"hour": 8, "minute": 40}
